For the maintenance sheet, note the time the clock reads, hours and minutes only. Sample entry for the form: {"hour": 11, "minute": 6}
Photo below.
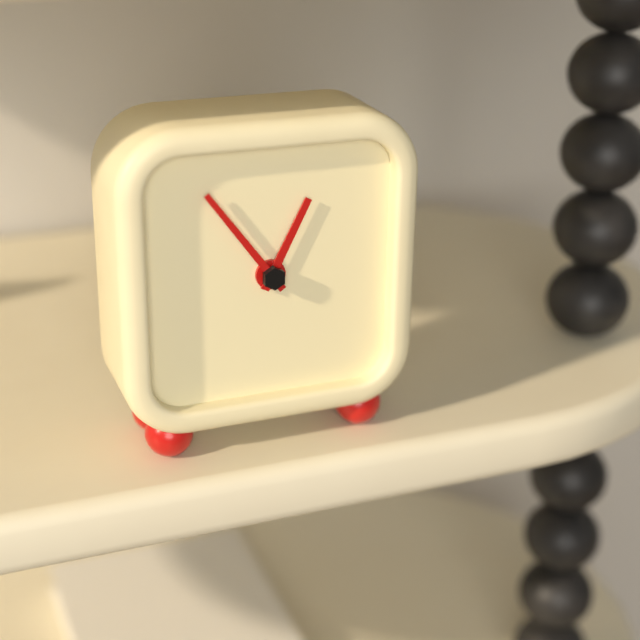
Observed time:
{"hour": 12, "minute": 54}
